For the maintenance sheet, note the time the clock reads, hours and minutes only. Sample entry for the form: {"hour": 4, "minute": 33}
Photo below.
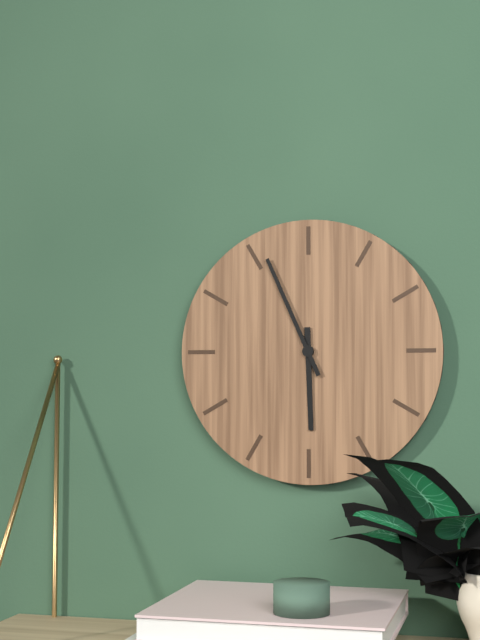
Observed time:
{"hour": 5, "minute": 56}
